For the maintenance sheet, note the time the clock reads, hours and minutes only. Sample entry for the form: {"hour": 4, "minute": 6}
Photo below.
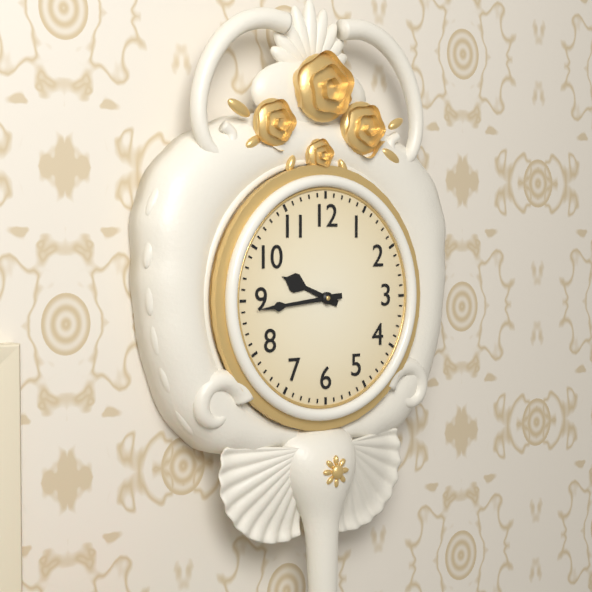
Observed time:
{"hour": 9, "minute": 44}
